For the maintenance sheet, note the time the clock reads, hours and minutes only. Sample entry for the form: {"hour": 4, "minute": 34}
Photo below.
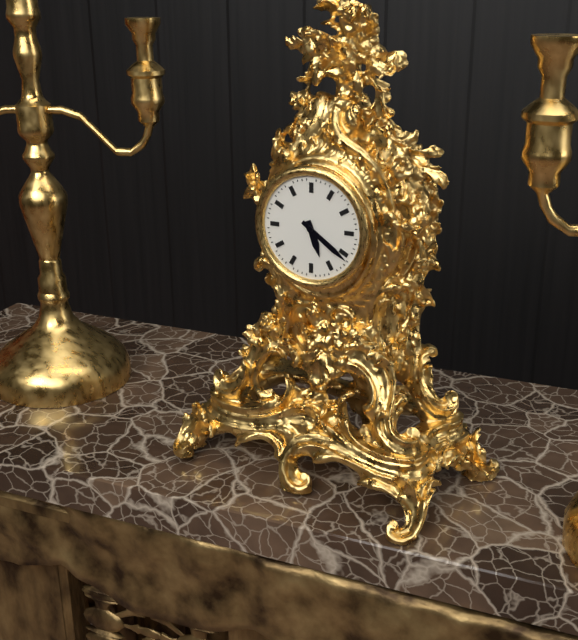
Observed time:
{"hour": 5, "minute": 21}
